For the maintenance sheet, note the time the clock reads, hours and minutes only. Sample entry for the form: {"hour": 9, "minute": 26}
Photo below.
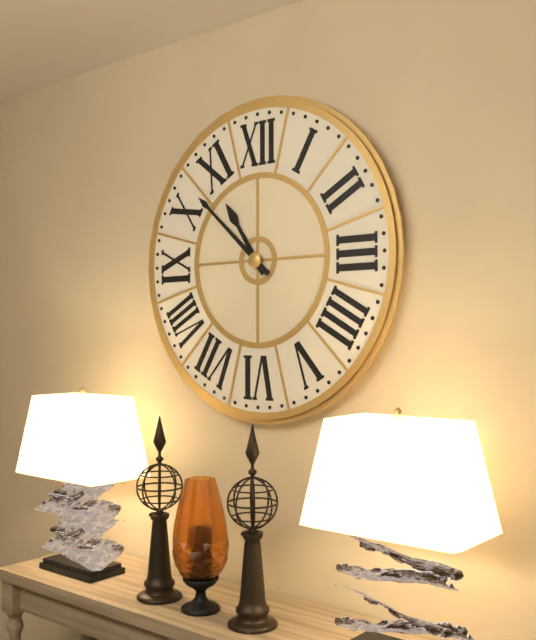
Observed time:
{"hour": 10, "minute": 52}
